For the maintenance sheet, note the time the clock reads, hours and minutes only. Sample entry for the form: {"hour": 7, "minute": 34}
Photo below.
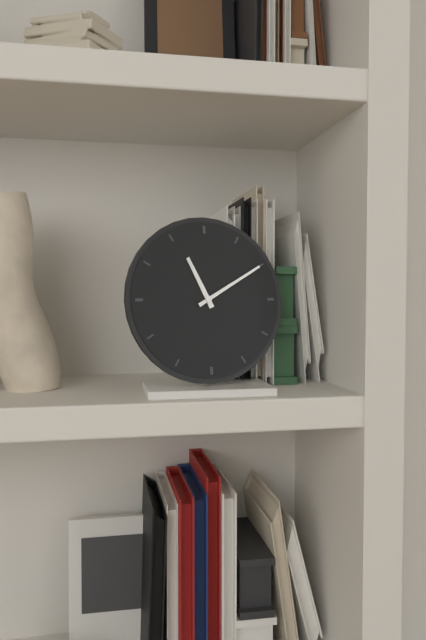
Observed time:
{"hour": 11, "minute": 10}
